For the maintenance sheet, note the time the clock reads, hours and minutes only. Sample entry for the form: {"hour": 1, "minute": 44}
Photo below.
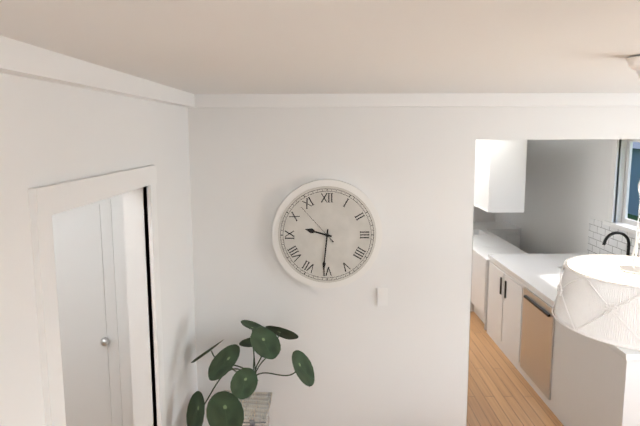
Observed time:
{"hour": 9, "minute": 31}
